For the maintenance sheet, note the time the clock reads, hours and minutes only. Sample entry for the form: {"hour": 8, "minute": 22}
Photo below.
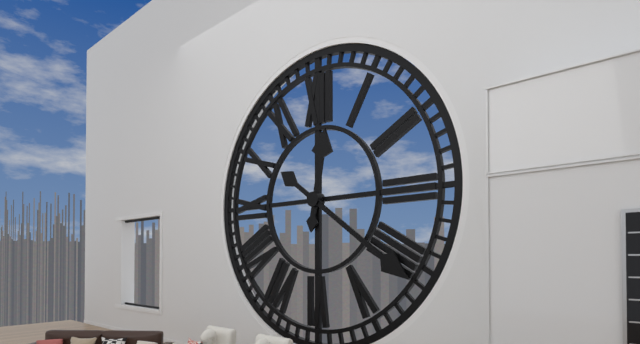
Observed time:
{"hour": 12, "minute": 21}
